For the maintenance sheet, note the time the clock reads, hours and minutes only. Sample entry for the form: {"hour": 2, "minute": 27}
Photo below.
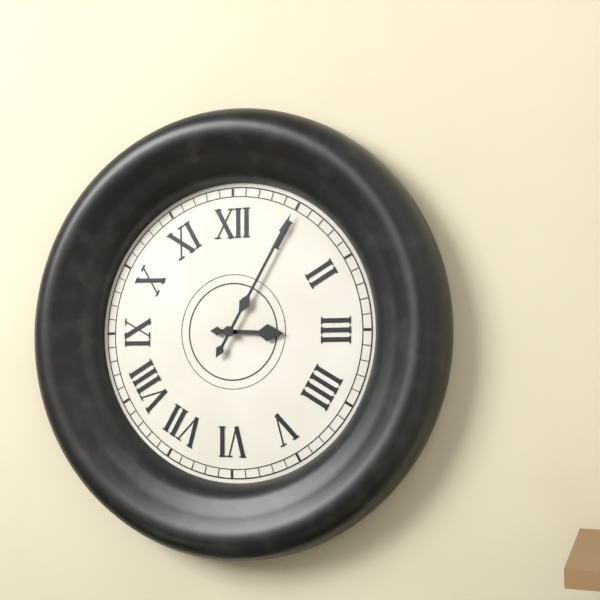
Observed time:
{"hour": 3, "minute": 5}
